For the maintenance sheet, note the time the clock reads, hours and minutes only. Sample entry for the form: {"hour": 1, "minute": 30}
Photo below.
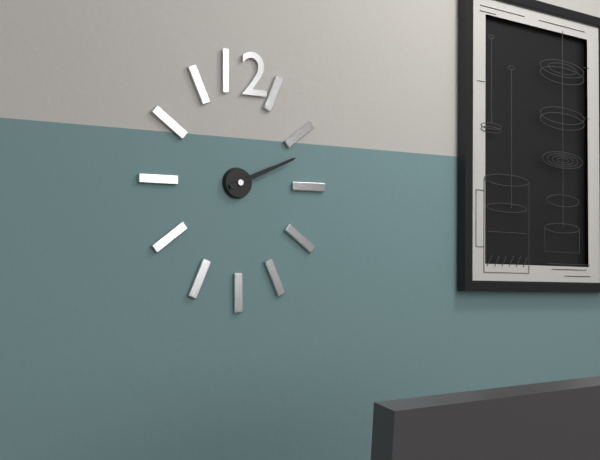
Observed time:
{"hour": 2, "minute": 11}
